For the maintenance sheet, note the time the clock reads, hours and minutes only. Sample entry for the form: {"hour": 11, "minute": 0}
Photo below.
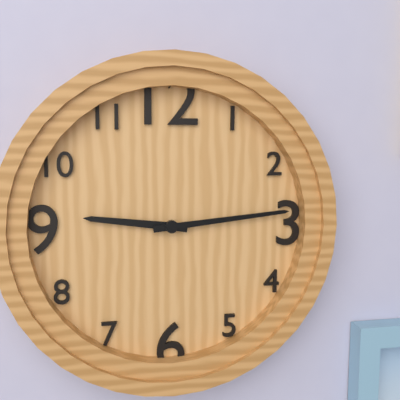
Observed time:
{"hour": 9, "minute": 14}
